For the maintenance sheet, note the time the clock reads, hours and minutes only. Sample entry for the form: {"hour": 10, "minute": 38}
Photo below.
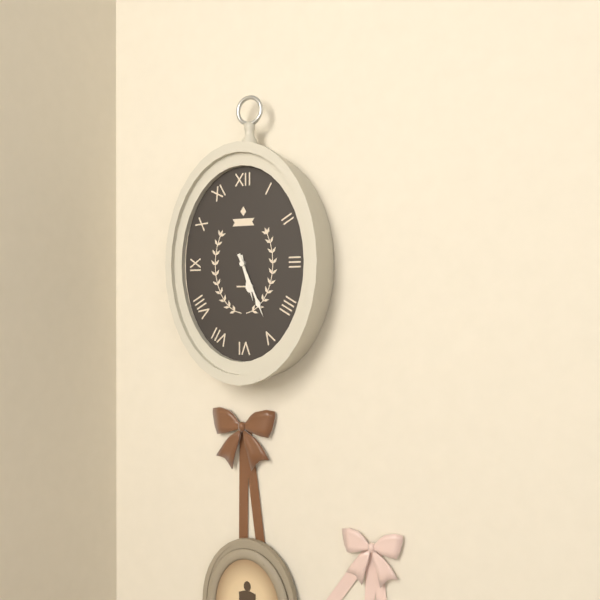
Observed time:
{"hour": 5, "minute": 26}
